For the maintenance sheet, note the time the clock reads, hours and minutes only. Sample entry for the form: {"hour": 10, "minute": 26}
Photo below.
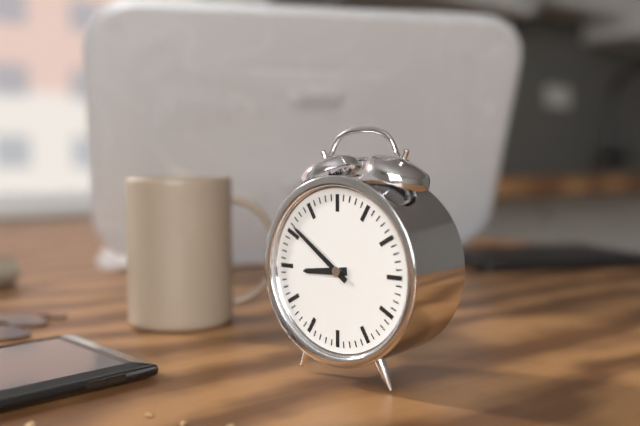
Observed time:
{"hour": 8, "minute": 51}
